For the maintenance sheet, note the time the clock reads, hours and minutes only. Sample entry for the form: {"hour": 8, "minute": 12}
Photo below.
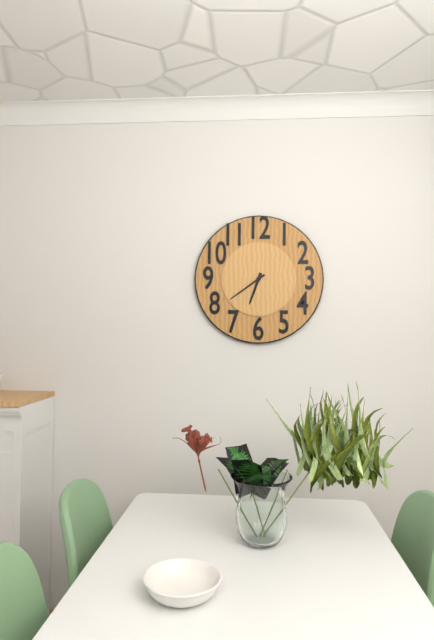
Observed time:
{"hour": 6, "minute": 39}
